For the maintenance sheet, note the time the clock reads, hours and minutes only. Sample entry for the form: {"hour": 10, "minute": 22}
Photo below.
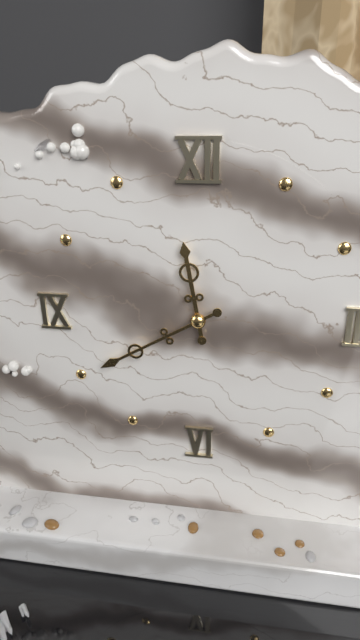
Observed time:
{"hour": 11, "minute": 40}
